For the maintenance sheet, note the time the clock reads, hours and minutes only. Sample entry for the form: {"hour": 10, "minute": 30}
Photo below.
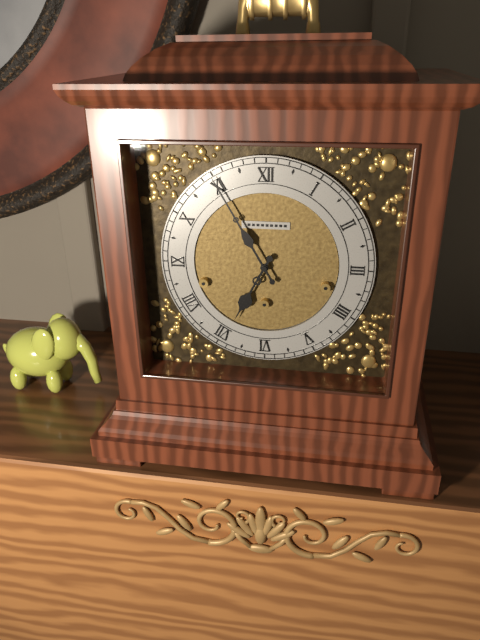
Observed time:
{"hour": 6, "minute": 55}
